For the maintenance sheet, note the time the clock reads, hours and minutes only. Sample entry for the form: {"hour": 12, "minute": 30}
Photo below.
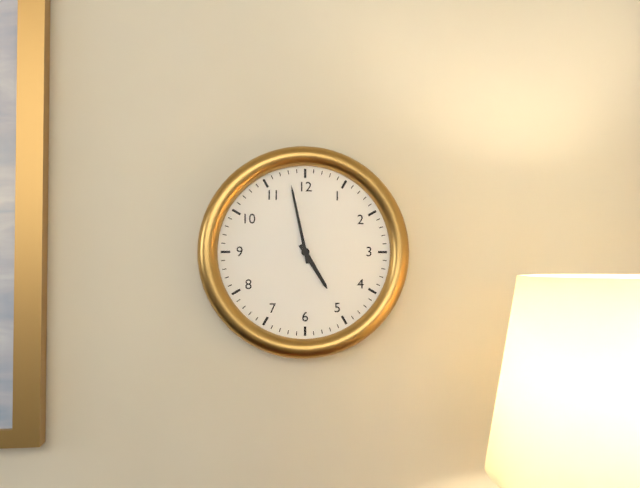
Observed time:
{"hour": 4, "minute": 58}
